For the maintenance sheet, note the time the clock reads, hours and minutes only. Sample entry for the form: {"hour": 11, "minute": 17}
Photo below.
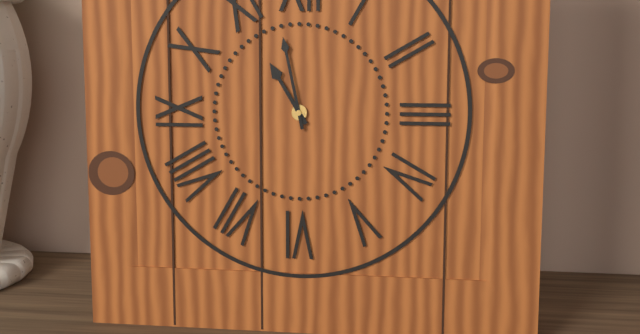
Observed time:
{"hour": 10, "minute": 58}
